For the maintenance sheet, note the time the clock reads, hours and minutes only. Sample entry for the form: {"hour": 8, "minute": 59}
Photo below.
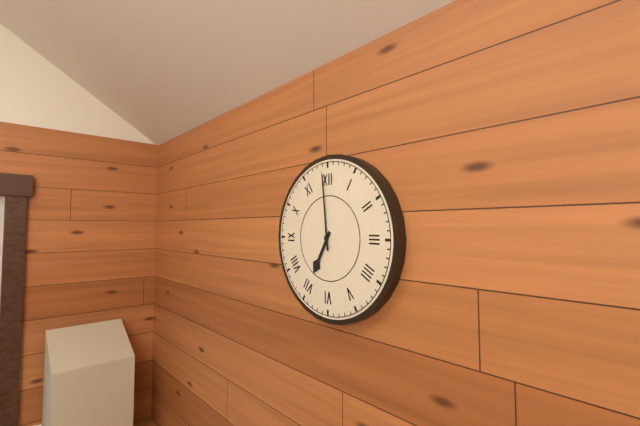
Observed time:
{"hour": 6, "minute": 59}
